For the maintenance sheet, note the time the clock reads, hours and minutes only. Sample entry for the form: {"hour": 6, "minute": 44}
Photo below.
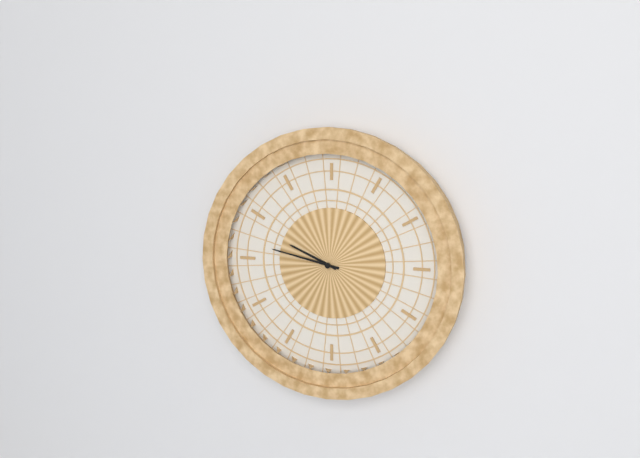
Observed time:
{"hour": 9, "minute": 47}
